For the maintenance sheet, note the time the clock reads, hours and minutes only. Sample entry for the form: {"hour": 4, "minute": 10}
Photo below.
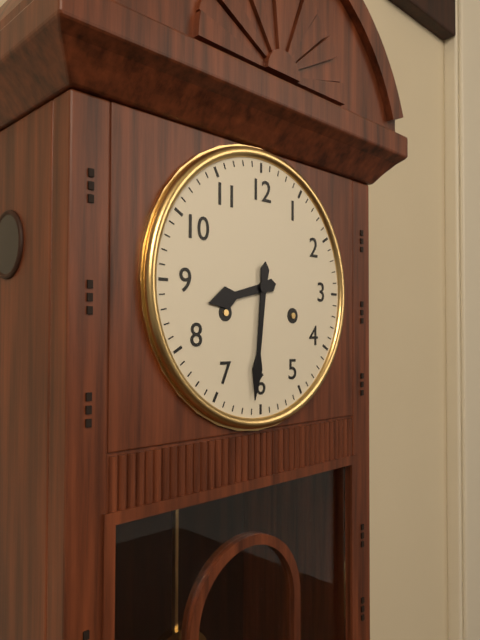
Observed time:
{"hour": 8, "minute": 31}
